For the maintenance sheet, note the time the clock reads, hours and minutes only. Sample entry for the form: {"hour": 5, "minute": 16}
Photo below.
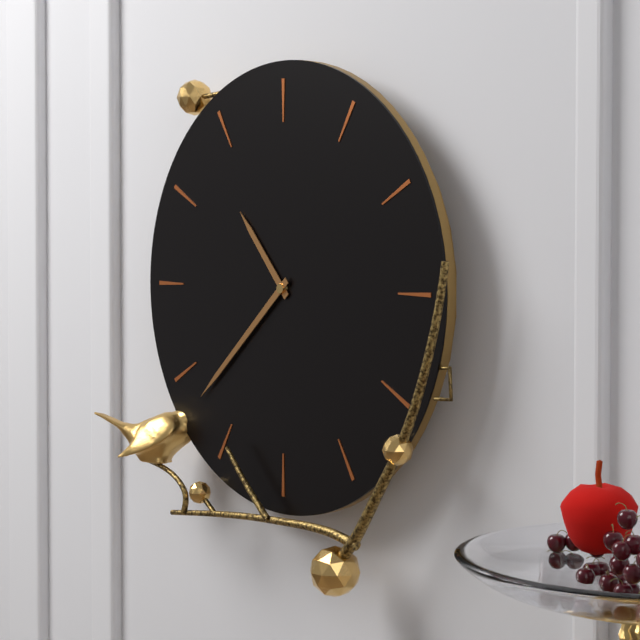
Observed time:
{"hour": 10, "minute": 38}
